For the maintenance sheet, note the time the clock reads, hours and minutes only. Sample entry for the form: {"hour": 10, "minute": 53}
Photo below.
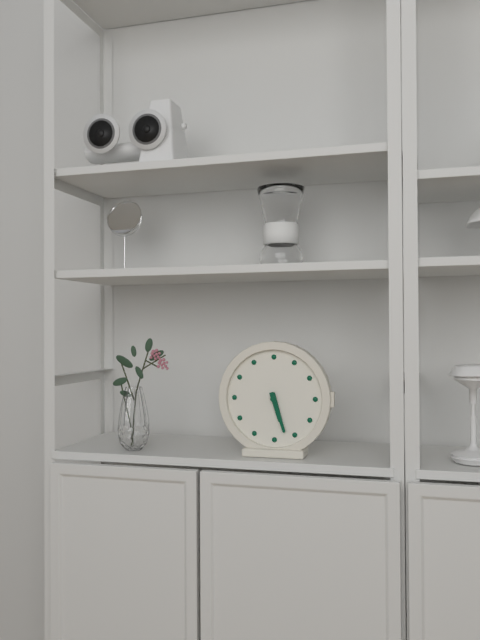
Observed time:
{"hour": 5, "minute": 27}
